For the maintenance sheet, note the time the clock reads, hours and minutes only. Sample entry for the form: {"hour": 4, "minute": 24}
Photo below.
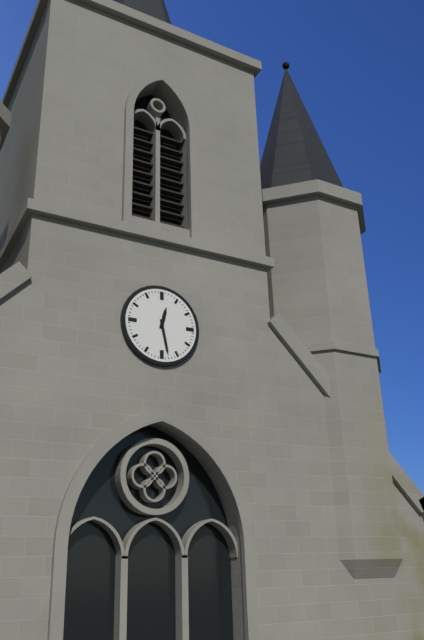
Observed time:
{"hour": 12, "minute": 28}
